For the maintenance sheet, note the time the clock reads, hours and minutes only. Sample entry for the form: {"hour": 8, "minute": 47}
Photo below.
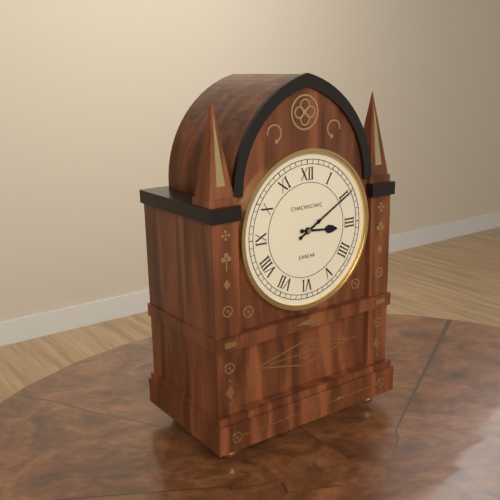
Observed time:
{"hour": 3, "minute": 10}
